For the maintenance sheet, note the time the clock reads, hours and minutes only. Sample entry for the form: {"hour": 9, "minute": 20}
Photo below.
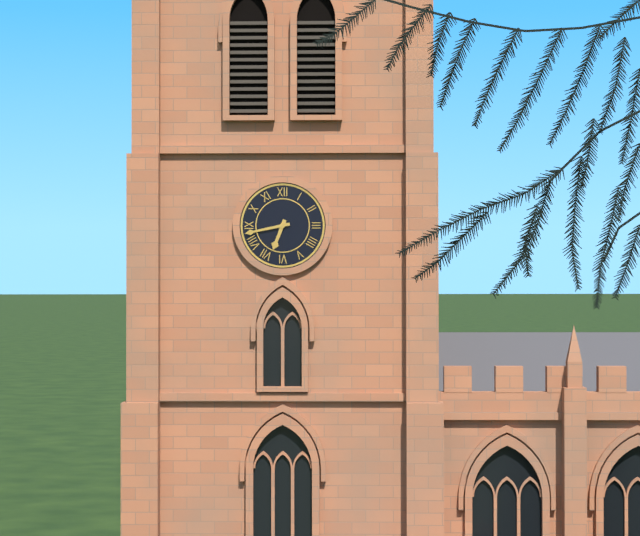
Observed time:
{"hour": 6, "minute": 43}
